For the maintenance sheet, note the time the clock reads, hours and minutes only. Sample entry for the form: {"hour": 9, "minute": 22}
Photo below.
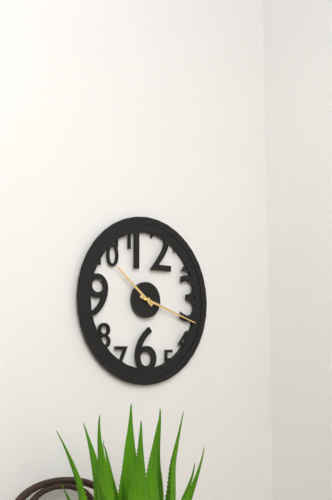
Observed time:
{"hour": 10, "minute": 18}
